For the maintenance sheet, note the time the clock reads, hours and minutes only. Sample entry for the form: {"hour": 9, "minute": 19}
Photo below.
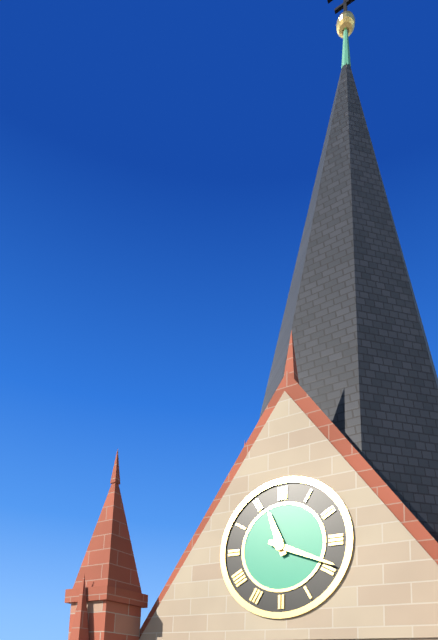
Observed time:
{"hour": 11, "minute": 19}
